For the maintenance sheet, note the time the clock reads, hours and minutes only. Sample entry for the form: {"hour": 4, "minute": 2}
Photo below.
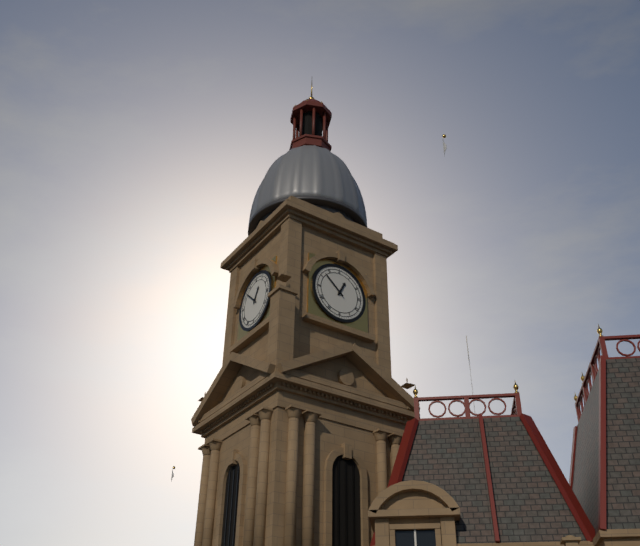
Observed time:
{"hour": 12, "minute": 52}
